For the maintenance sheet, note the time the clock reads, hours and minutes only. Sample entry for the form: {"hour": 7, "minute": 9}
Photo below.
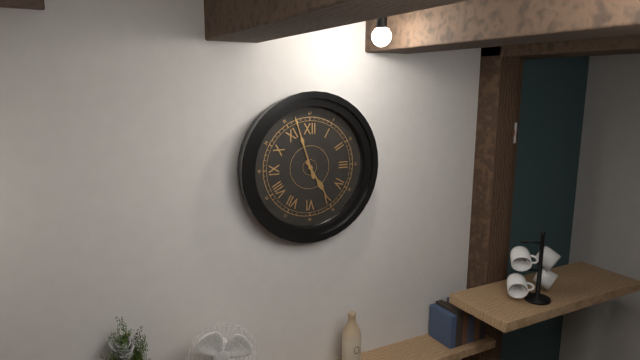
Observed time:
{"hour": 4, "minute": 57}
